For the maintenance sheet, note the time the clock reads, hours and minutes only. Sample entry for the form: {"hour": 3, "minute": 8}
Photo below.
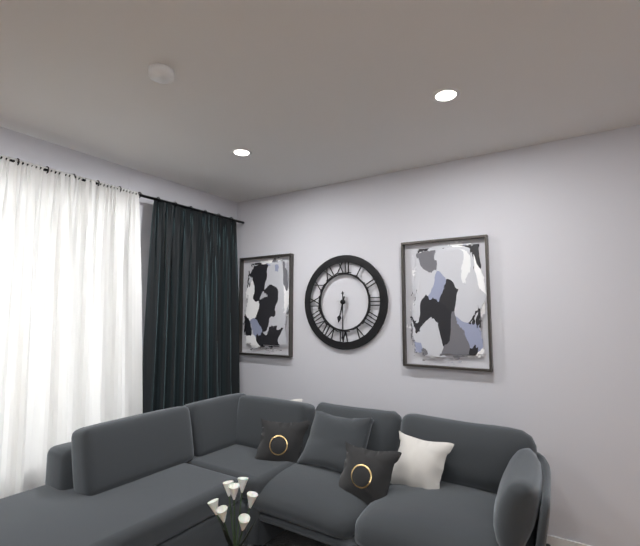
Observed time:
{"hour": 6, "minute": 30}
